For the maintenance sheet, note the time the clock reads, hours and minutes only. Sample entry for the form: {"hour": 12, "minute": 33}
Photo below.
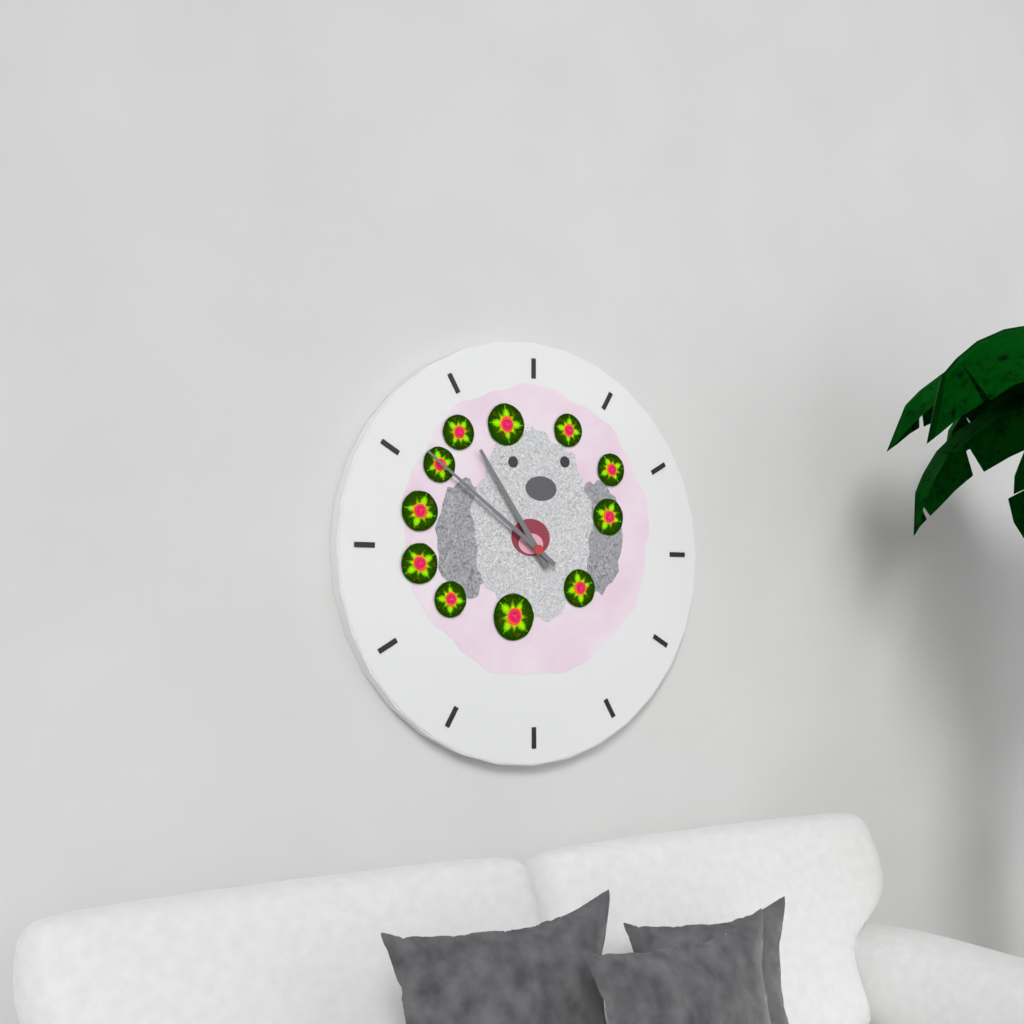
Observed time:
{"hour": 10, "minute": 51}
